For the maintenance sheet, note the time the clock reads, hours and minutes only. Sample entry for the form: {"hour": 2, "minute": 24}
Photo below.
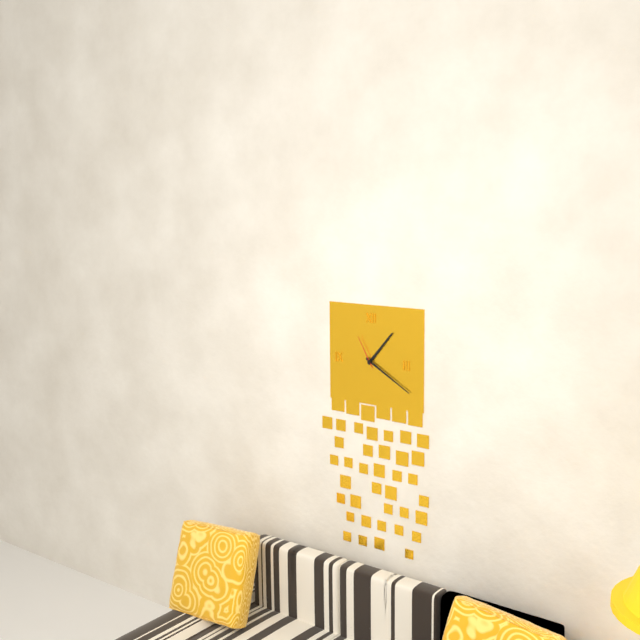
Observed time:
{"hour": 1, "minute": 20}
